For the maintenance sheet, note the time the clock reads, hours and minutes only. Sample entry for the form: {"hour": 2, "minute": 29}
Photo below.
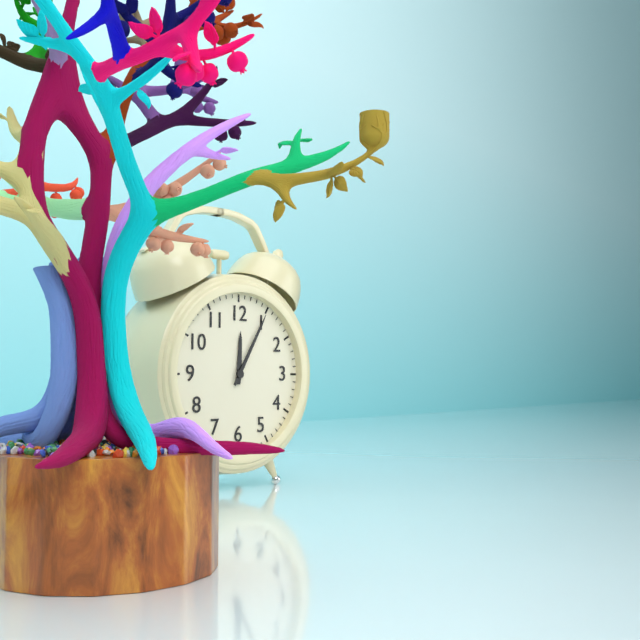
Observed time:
{"hour": 12, "minute": 5}
